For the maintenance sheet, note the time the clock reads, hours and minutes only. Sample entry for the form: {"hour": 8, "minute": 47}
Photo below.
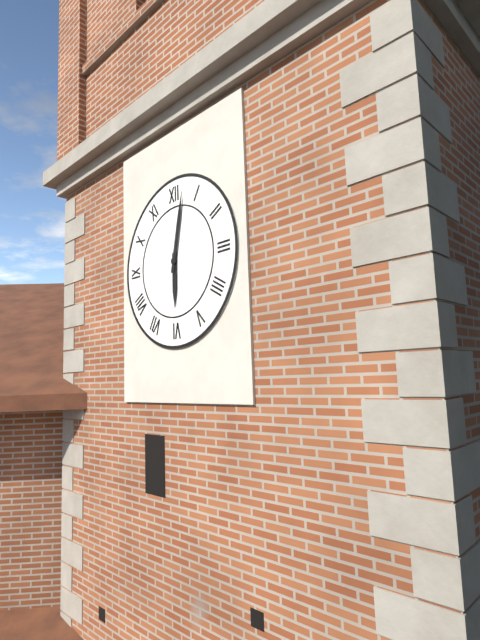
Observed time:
{"hour": 6, "minute": 2}
